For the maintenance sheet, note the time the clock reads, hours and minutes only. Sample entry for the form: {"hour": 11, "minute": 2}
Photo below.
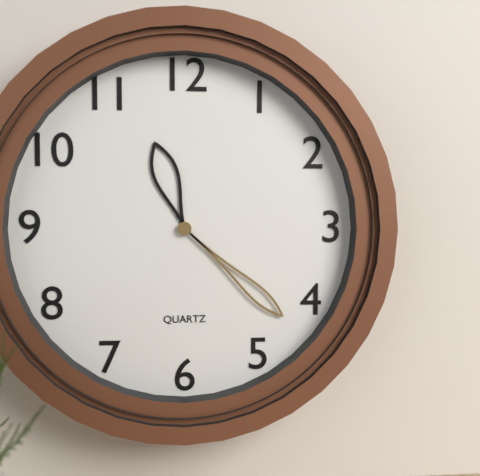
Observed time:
{"hour": 11, "minute": 22}
